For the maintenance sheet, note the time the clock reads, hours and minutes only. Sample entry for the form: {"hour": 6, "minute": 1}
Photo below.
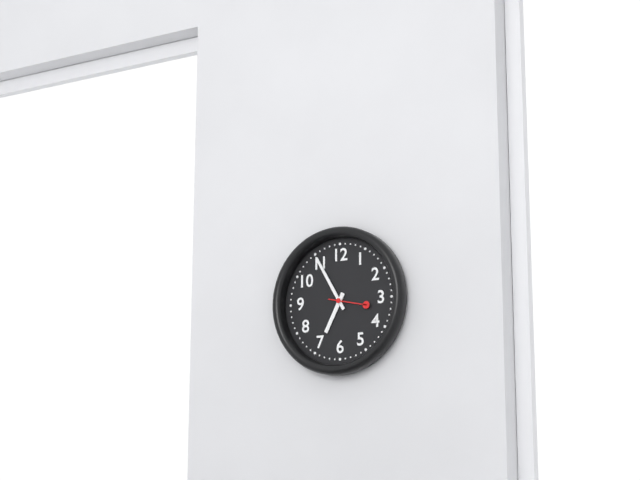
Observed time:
{"hour": 6, "minute": 55}
